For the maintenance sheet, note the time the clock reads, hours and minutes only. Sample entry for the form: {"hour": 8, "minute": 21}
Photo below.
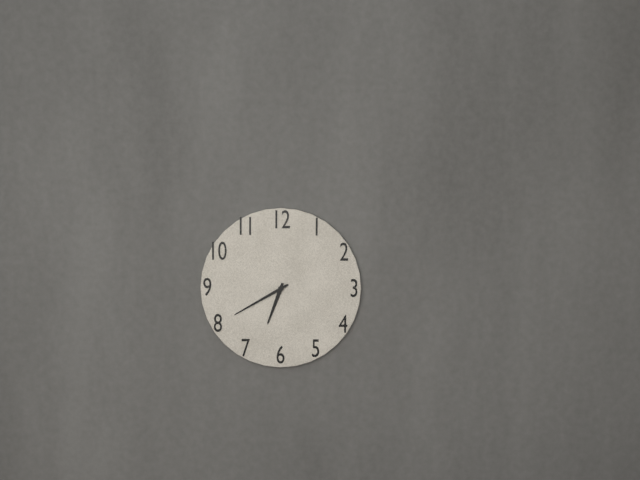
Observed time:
{"hour": 6, "minute": 40}
